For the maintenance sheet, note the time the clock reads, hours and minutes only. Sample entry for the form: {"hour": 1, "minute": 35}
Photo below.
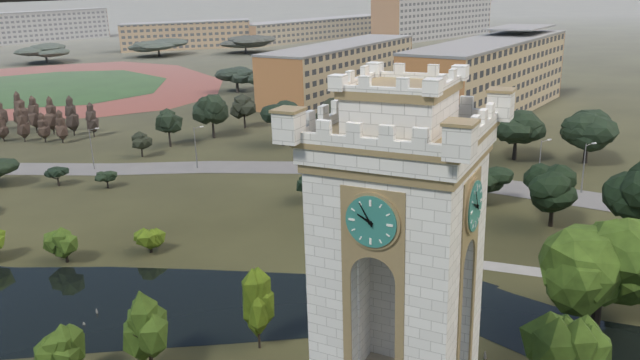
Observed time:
{"hour": 9, "minute": 55}
